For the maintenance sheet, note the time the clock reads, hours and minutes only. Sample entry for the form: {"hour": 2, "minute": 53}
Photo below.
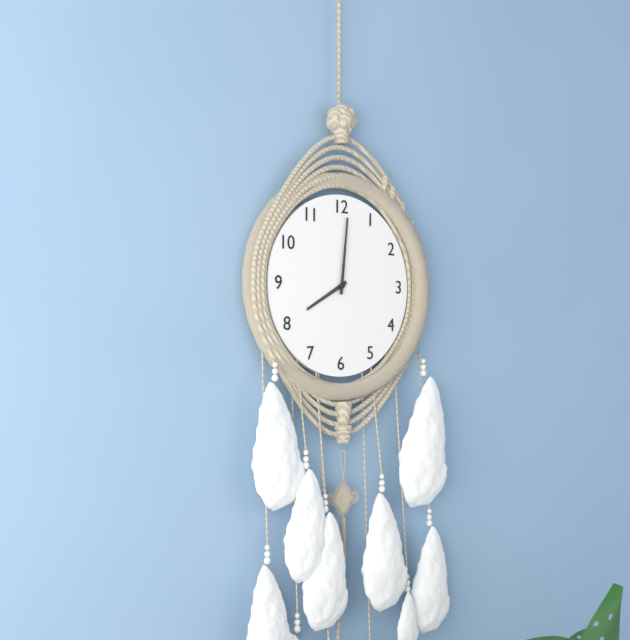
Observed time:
{"hour": 8, "minute": 1}
